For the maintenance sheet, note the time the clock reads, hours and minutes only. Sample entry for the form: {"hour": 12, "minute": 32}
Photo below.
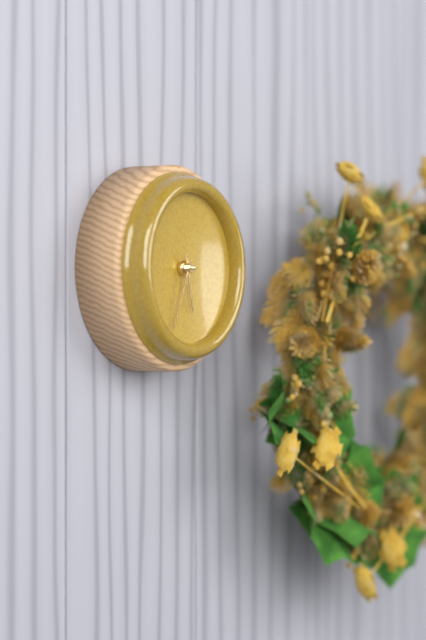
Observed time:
{"hour": 5, "minute": 34}
